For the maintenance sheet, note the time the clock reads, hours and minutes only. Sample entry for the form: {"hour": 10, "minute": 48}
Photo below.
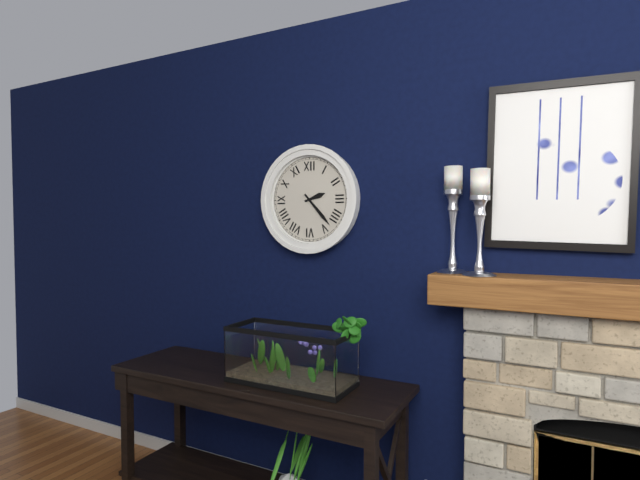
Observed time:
{"hour": 2, "minute": 23}
